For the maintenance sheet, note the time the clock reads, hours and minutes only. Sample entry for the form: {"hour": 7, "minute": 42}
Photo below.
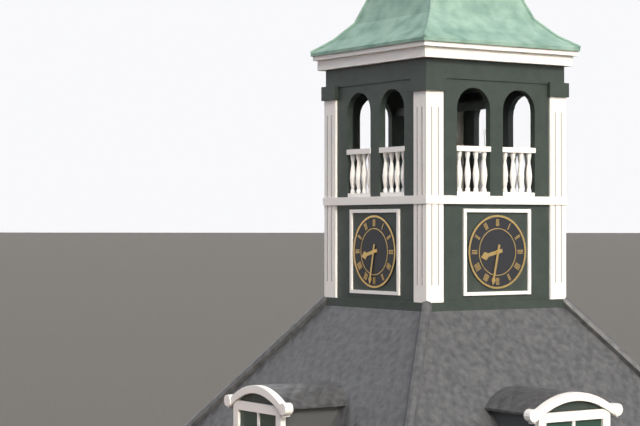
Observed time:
{"hour": 8, "minute": 32}
